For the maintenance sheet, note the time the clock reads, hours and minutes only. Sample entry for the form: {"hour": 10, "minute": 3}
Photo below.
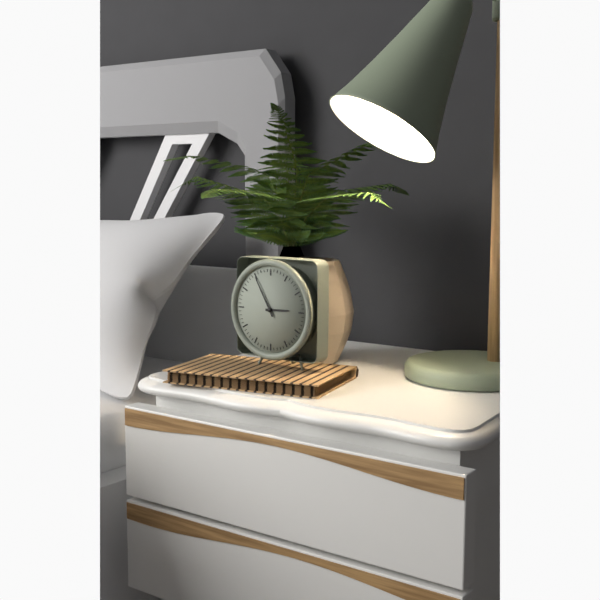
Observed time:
{"hour": 2, "minute": 55}
